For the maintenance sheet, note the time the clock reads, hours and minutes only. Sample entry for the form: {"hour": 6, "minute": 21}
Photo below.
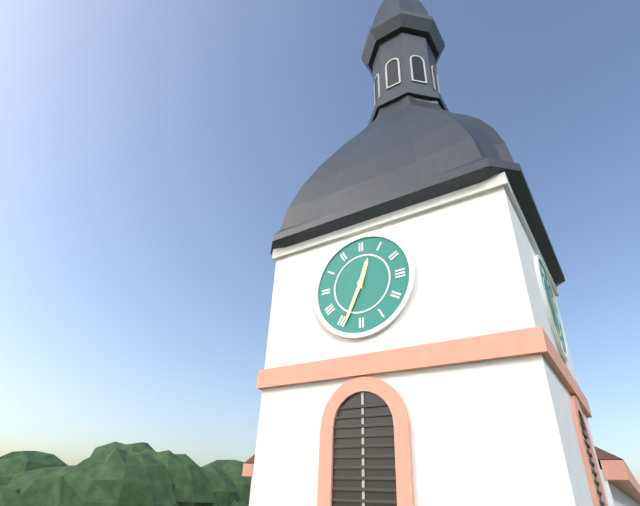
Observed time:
{"hour": 12, "minute": 34}
